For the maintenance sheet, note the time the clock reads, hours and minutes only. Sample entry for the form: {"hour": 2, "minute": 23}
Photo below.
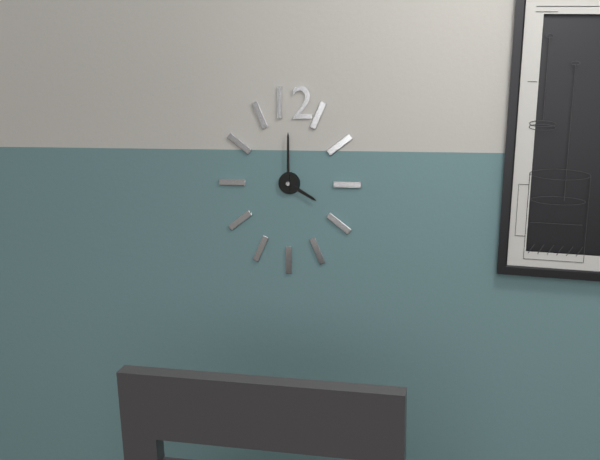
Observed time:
{"hour": 4, "minute": 0}
